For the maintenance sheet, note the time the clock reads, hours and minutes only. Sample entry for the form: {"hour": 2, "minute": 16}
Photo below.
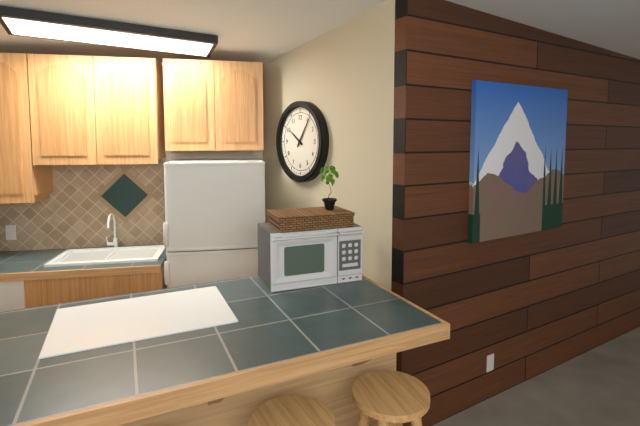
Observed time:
{"hour": 10, "minute": 6}
